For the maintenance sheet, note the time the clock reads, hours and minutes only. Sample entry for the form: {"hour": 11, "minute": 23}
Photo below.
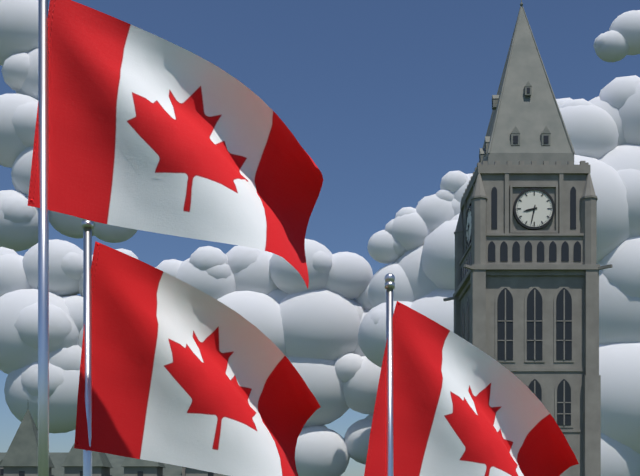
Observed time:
{"hour": 8, "minute": 32}
